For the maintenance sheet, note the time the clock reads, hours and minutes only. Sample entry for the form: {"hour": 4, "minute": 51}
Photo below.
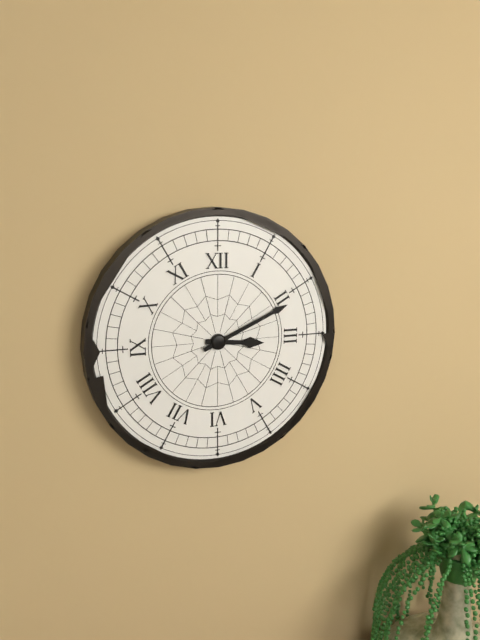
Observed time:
{"hour": 3, "minute": 11}
